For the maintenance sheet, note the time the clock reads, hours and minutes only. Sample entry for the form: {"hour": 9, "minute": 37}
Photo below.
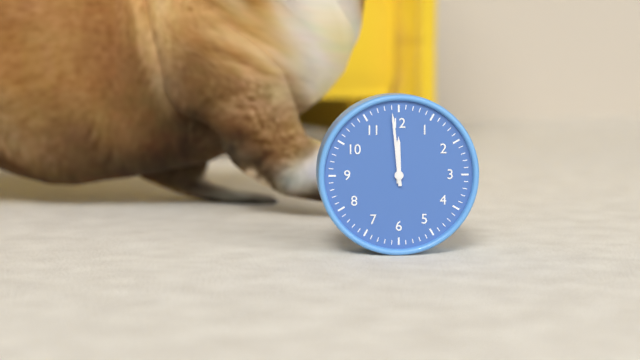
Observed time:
{"hour": 11, "minute": 59}
